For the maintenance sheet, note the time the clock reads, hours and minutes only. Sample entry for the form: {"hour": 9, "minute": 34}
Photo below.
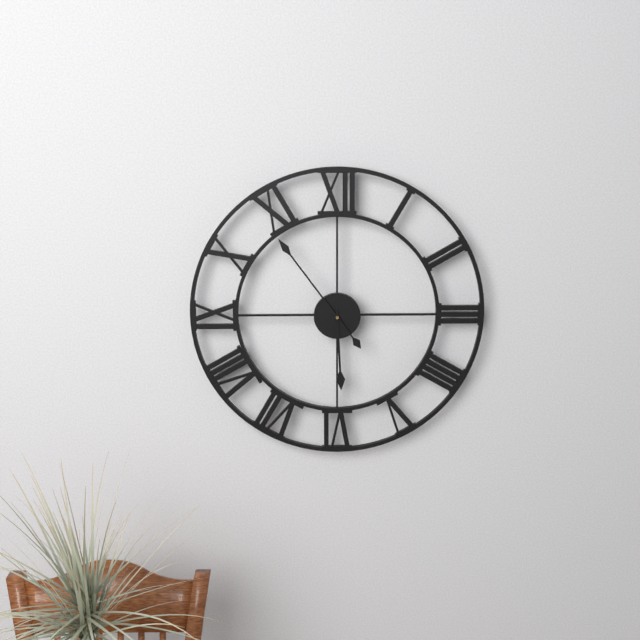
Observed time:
{"hour": 5, "minute": 54}
